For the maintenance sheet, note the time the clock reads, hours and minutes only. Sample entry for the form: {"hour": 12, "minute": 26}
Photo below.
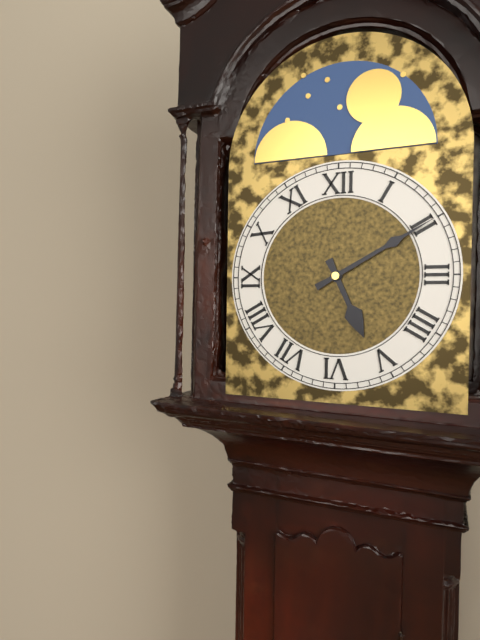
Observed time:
{"hour": 5, "minute": 10}
